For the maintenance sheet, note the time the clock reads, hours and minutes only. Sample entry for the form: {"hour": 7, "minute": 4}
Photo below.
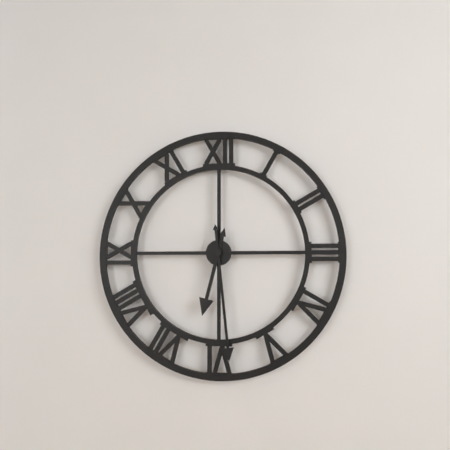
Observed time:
{"hour": 6, "minute": 29}
